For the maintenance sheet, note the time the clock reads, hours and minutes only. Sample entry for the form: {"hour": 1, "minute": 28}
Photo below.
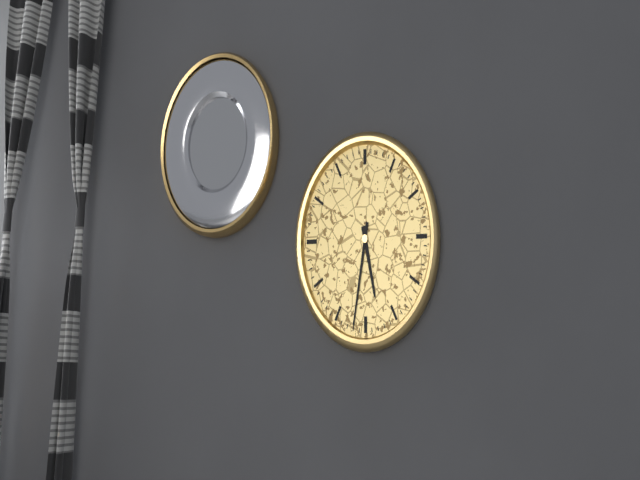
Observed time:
{"hour": 5, "minute": 32}
